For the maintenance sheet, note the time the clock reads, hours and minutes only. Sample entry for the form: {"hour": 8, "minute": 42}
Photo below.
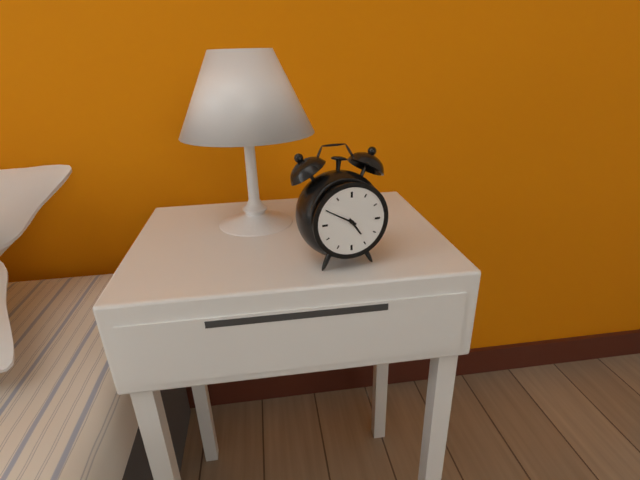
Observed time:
{"hour": 4, "minute": 50}
